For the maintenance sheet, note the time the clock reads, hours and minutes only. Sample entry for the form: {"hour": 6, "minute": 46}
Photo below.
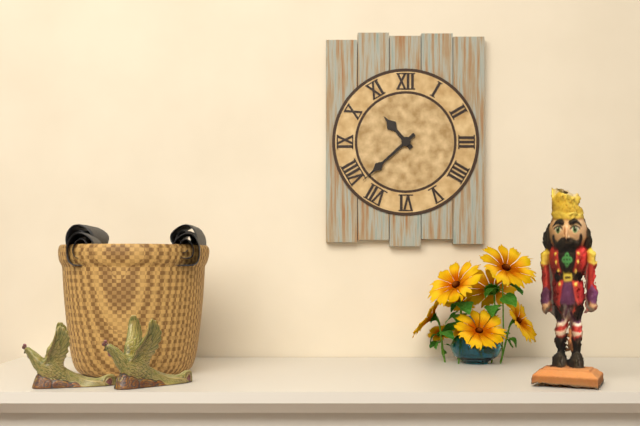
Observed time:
{"hour": 10, "minute": 38}
